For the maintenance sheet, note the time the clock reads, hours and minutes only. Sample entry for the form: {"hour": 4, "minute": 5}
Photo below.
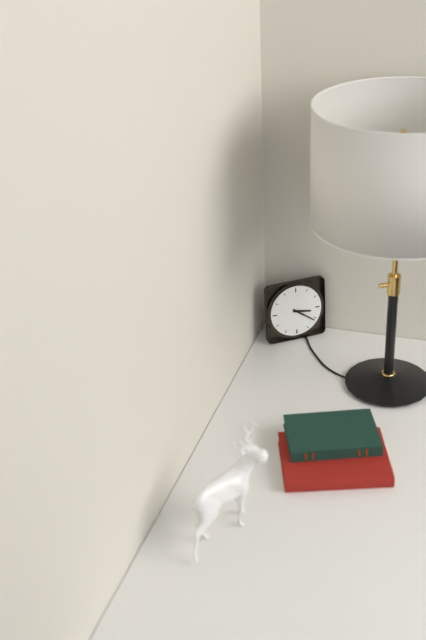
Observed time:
{"hour": 3, "minute": 21}
